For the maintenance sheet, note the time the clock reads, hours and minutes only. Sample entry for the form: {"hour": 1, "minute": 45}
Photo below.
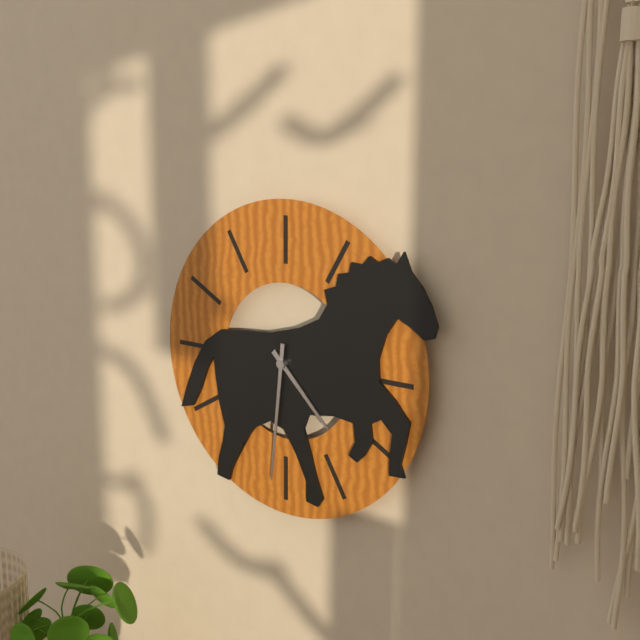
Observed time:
{"hour": 4, "minute": 31}
